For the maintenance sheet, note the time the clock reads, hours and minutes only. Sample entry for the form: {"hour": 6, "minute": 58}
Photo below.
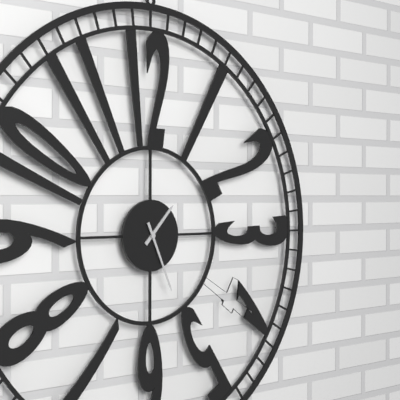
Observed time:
{"hour": 1, "minute": 26}
